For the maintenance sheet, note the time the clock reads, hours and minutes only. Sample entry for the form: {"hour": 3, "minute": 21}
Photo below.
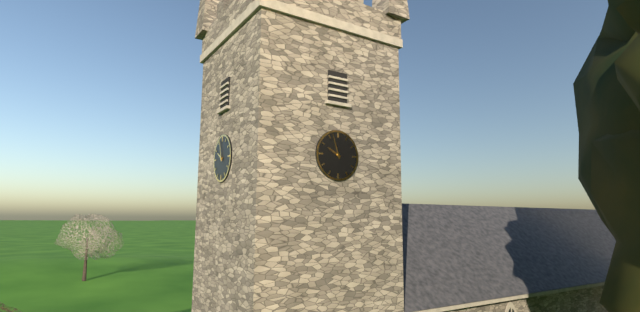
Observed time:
{"hour": 9, "minute": 57}
